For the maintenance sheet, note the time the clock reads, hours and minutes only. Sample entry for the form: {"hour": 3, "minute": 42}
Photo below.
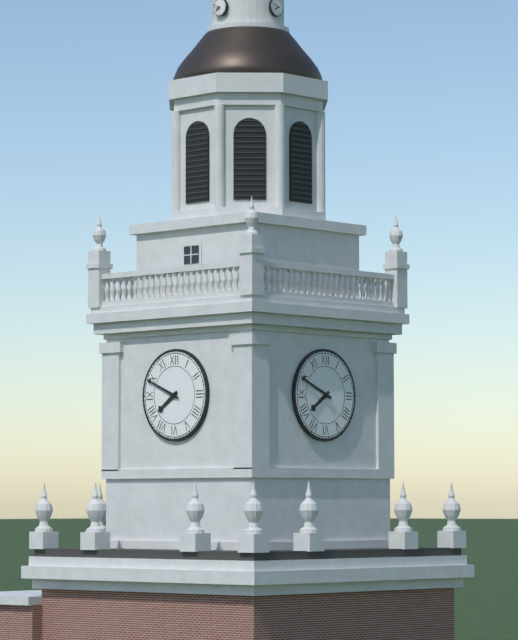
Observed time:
{"hour": 7, "minute": 49}
